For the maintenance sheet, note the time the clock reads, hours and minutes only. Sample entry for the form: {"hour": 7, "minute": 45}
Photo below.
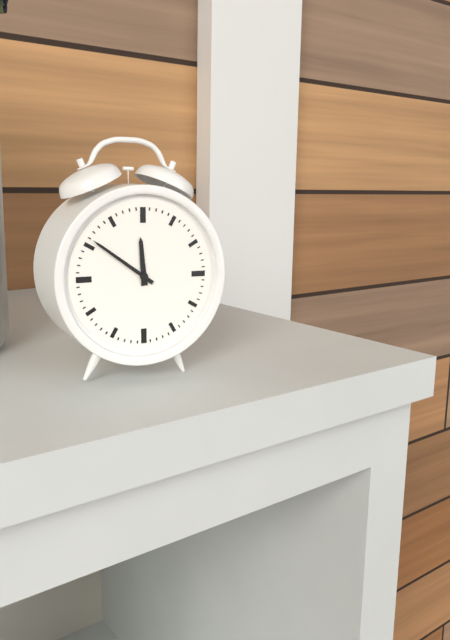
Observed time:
{"hour": 11, "minute": 51}
